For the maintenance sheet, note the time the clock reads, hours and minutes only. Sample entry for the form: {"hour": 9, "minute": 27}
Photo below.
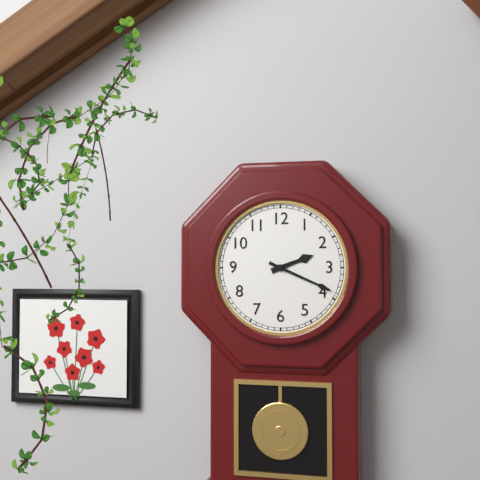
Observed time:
{"hour": 2, "minute": 19}
